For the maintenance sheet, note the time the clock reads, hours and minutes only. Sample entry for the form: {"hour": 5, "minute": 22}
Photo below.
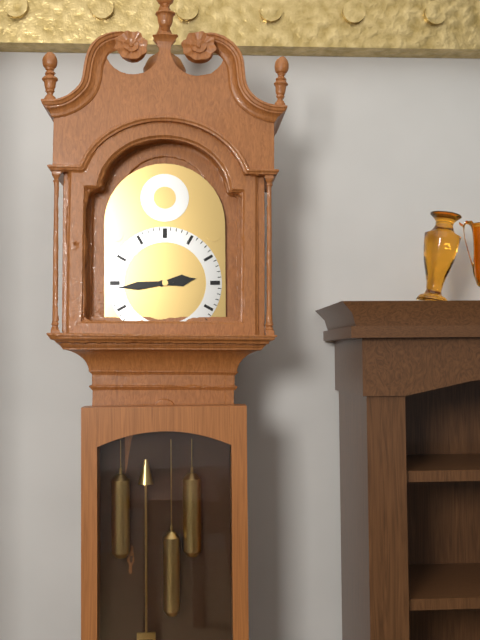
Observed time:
{"hour": 2, "minute": 44}
